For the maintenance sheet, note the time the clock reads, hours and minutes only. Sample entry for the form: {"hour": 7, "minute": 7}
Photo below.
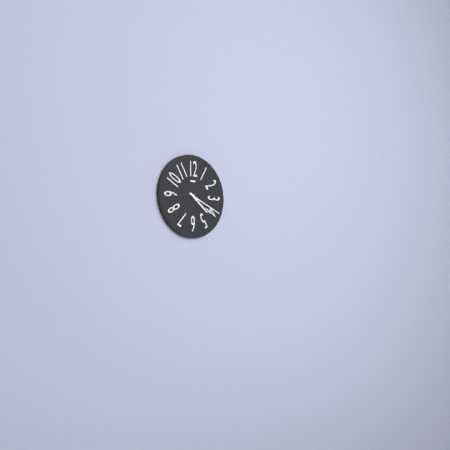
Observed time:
{"hour": 4, "minute": 19}
